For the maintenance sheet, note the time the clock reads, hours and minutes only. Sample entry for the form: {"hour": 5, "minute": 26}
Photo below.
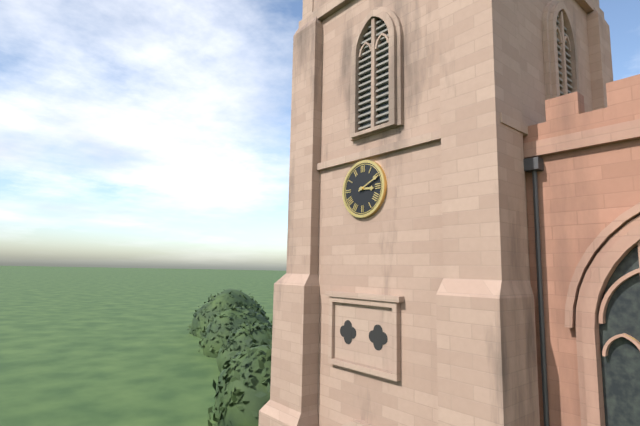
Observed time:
{"hour": 3, "minute": 11}
